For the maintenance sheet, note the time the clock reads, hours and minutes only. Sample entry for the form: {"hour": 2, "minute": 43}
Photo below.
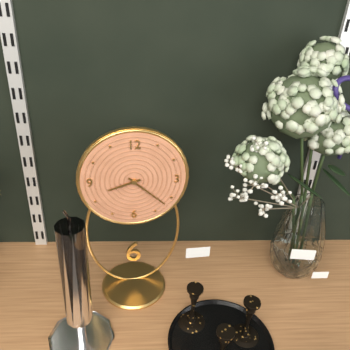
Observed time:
{"hour": 8, "minute": 22}
